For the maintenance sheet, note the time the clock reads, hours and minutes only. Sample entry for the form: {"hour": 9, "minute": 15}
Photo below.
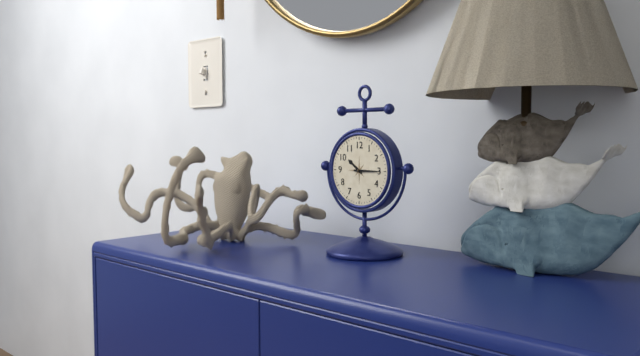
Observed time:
{"hour": 10, "minute": 15}
